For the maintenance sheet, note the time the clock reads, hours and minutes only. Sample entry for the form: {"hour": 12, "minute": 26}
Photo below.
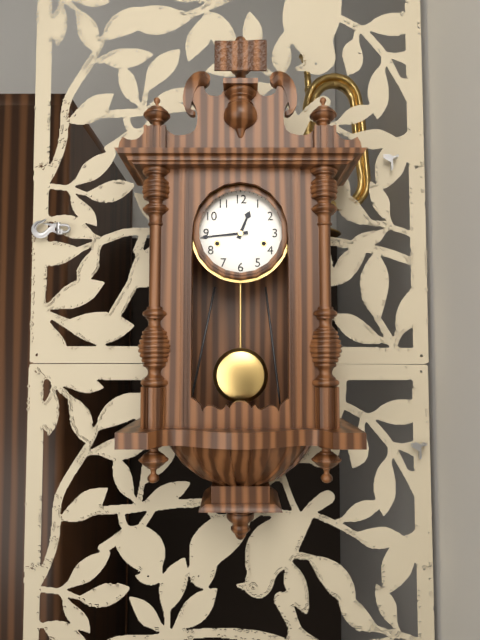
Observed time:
{"hour": 12, "minute": 44}
